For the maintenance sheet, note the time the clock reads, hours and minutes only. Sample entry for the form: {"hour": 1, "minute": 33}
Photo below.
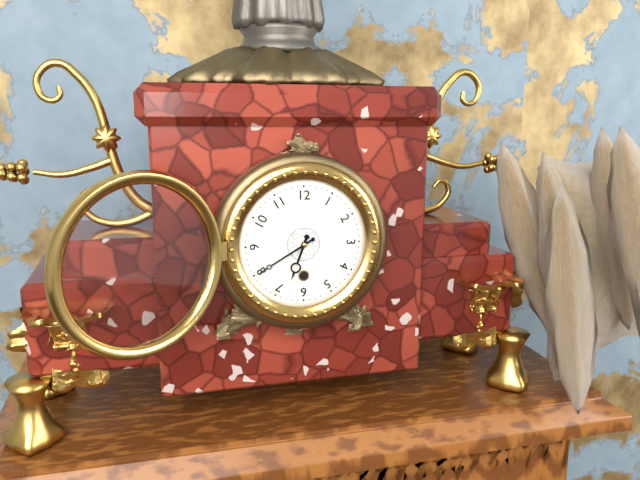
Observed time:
{"hour": 6, "minute": 40}
